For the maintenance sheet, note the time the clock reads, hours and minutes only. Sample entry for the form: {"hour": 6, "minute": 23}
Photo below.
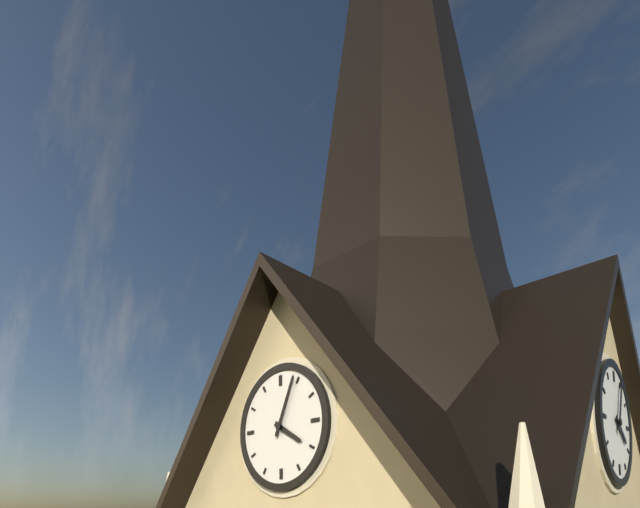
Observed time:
{"hour": 4, "minute": 4}
